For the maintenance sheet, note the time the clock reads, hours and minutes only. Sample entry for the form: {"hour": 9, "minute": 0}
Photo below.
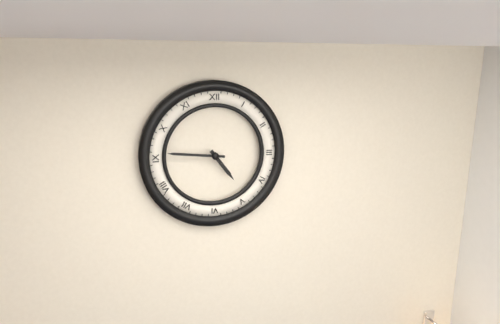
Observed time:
{"hour": 4, "minute": 46}
